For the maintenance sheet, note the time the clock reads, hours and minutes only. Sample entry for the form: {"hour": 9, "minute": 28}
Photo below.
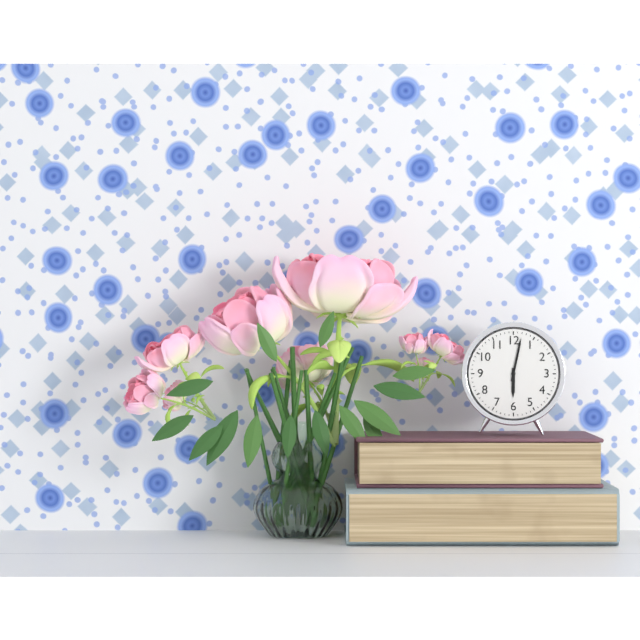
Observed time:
{"hour": 6, "minute": 2}
